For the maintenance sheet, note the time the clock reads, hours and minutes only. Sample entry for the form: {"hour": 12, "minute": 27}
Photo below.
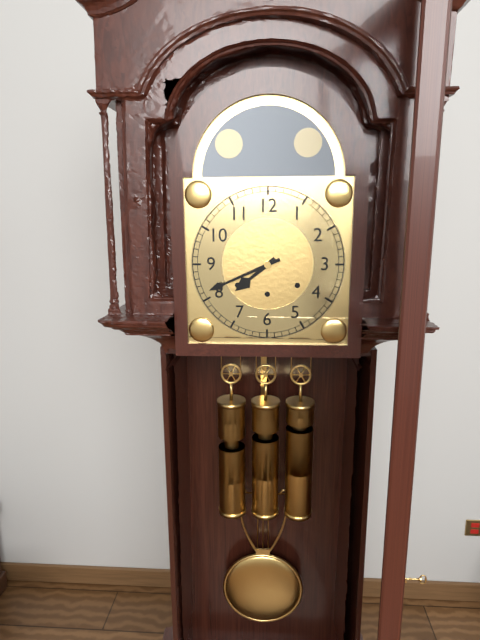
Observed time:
{"hour": 7, "minute": 41}
